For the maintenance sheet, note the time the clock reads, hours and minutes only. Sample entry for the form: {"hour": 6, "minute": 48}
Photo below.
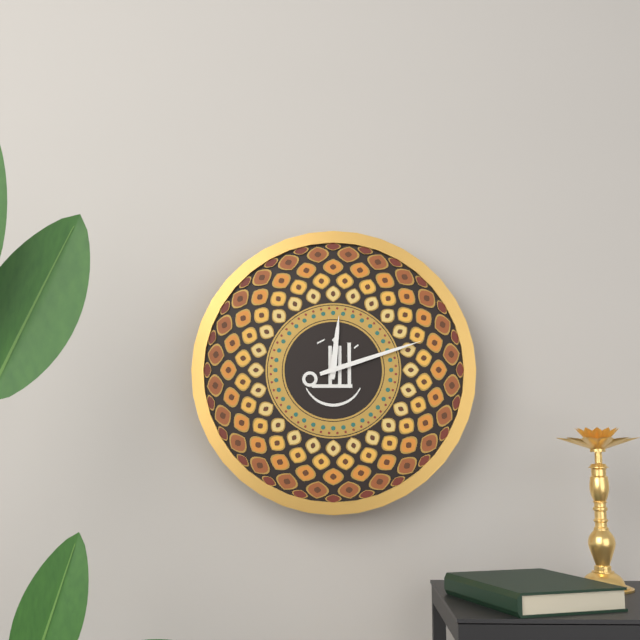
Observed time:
{"hour": 12, "minute": 12}
